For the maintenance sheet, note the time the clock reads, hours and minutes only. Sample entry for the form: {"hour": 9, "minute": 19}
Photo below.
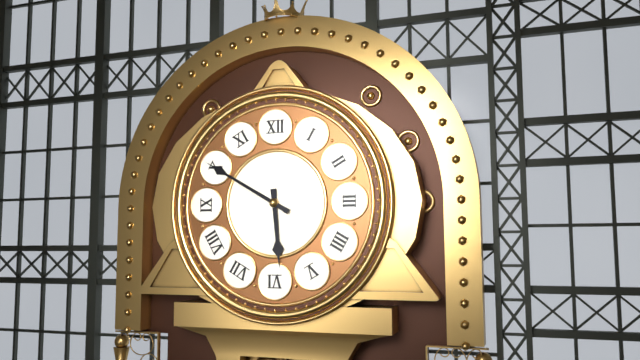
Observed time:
{"hour": 5, "minute": 50}
